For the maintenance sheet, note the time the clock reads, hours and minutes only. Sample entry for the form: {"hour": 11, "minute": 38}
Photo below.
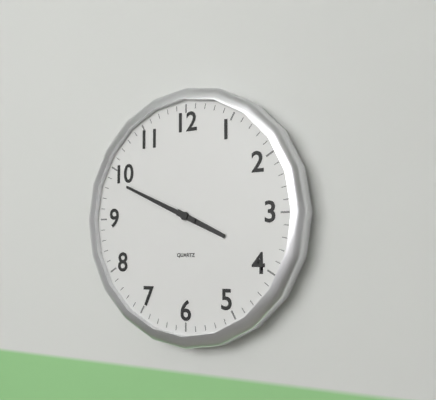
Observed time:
{"hour": 3, "minute": 49}
